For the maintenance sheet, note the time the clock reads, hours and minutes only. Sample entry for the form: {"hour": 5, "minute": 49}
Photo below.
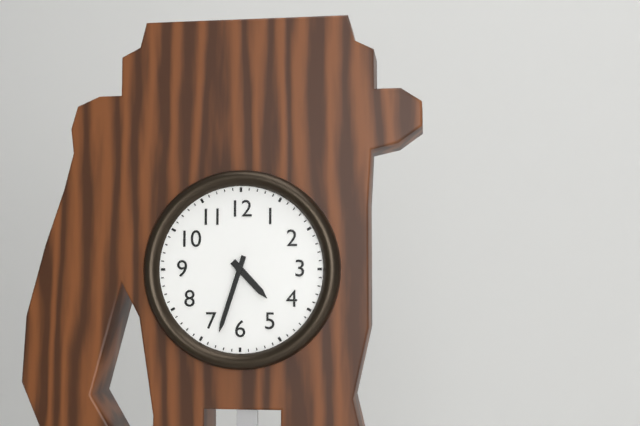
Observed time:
{"hour": 4, "minute": 33}
